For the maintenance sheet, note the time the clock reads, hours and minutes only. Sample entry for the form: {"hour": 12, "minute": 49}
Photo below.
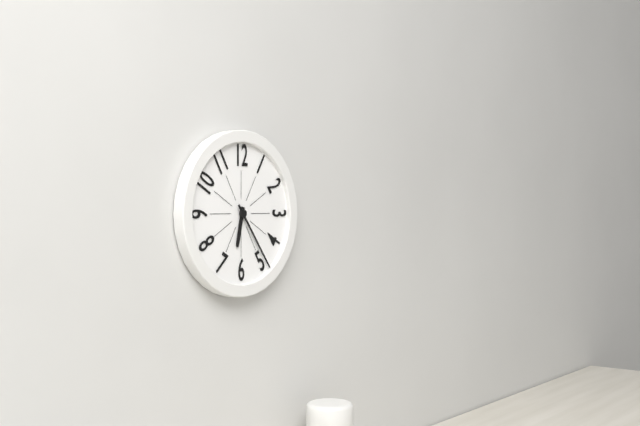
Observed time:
{"hour": 6, "minute": 24}
